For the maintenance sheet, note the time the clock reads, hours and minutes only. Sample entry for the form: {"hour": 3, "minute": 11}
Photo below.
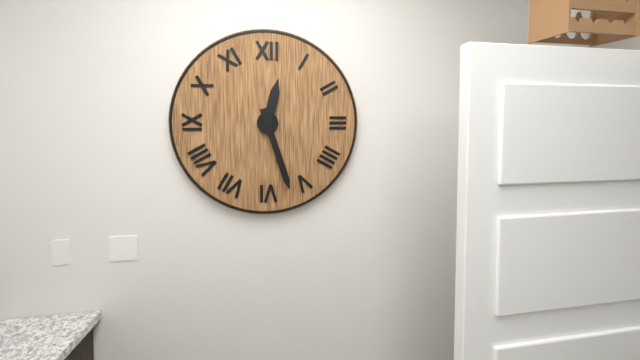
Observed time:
{"hour": 12, "minute": 27}
